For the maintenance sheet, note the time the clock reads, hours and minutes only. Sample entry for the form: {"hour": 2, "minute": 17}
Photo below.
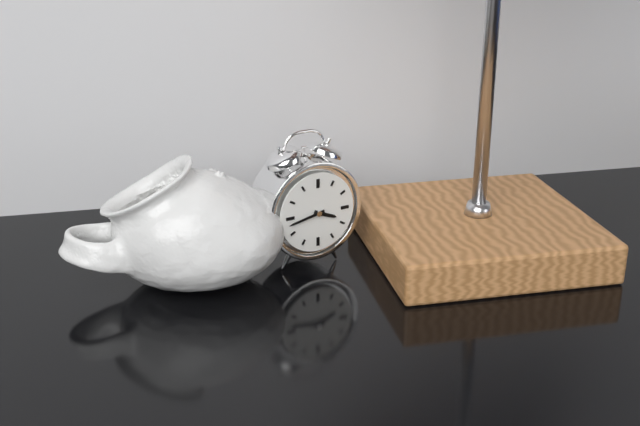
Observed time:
{"hour": 3, "minute": 43}
